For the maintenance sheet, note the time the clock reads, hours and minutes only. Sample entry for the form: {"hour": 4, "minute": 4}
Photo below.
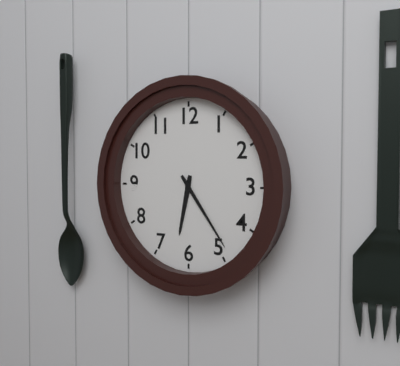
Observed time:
{"hour": 6, "minute": 24}
